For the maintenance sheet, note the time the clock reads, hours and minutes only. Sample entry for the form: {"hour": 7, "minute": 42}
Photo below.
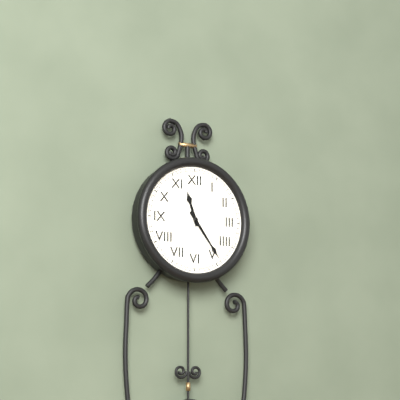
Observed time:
{"hour": 11, "minute": 24}
